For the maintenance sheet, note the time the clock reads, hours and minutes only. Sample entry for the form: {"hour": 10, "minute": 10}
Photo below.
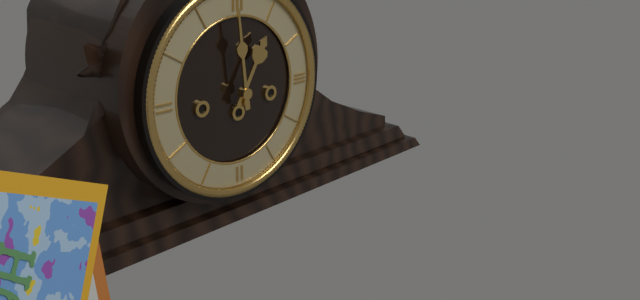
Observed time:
{"hour": 12, "minute": 59}
